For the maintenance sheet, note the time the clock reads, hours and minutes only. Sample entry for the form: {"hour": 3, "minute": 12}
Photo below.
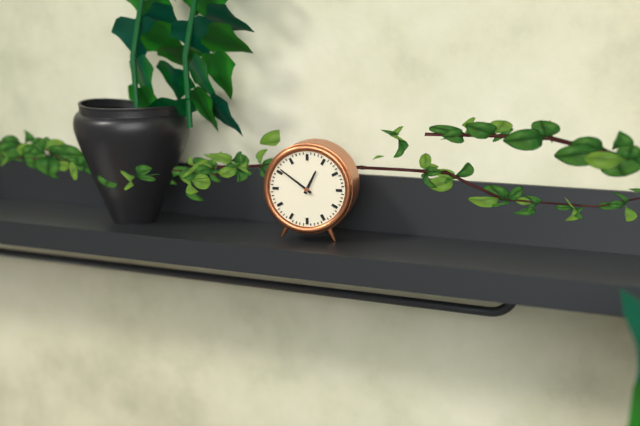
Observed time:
{"hour": 12, "minute": 51}
